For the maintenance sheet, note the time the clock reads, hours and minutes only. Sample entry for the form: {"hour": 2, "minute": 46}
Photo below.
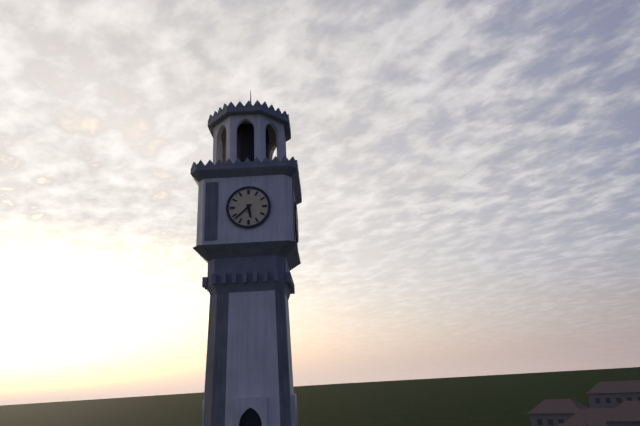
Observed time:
{"hour": 5, "minute": 38}
